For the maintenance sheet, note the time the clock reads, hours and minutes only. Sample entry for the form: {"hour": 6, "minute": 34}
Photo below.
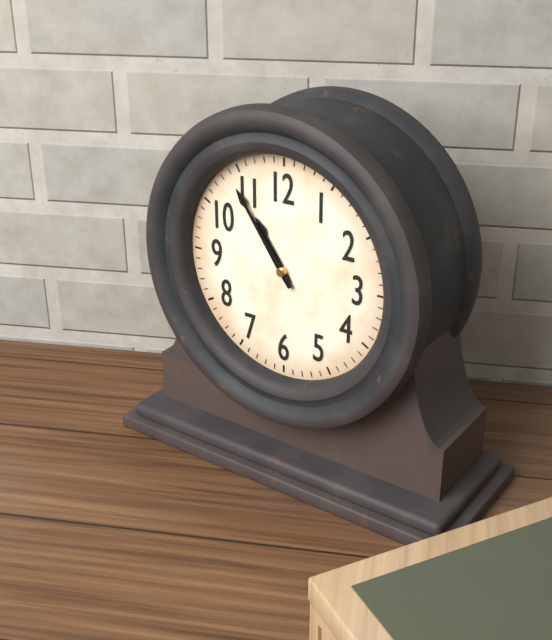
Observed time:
{"hour": 10, "minute": 54}
